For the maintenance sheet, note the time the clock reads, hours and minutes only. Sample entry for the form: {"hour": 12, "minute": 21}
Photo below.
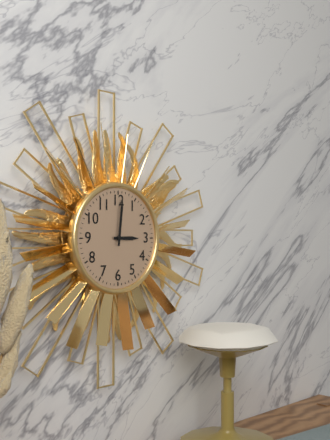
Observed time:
{"hour": 3, "minute": 1}
